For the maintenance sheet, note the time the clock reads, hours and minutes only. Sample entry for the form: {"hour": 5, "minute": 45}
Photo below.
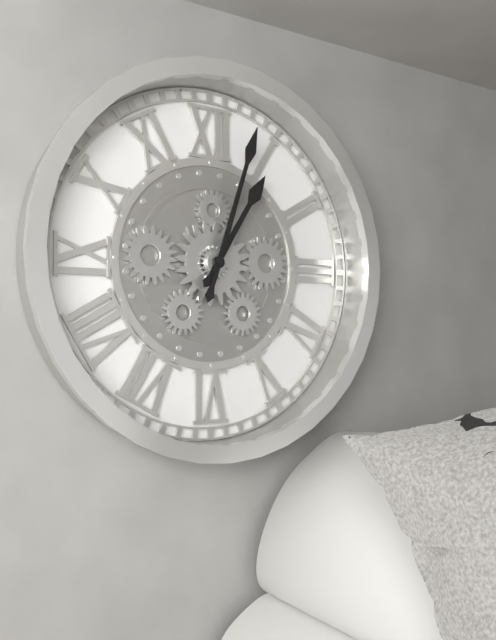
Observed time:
{"hour": 1, "minute": 3}
